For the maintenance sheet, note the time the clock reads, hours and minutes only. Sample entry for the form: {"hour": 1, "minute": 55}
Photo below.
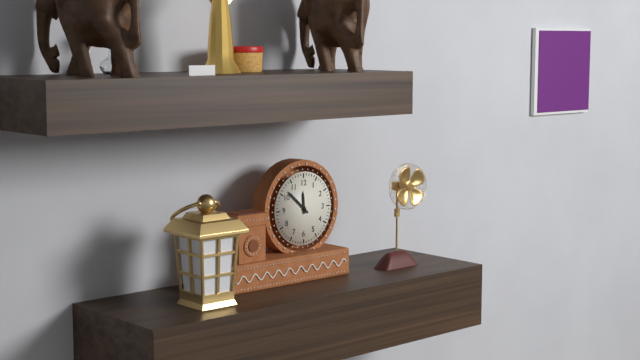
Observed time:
{"hour": 11, "minute": 52}
